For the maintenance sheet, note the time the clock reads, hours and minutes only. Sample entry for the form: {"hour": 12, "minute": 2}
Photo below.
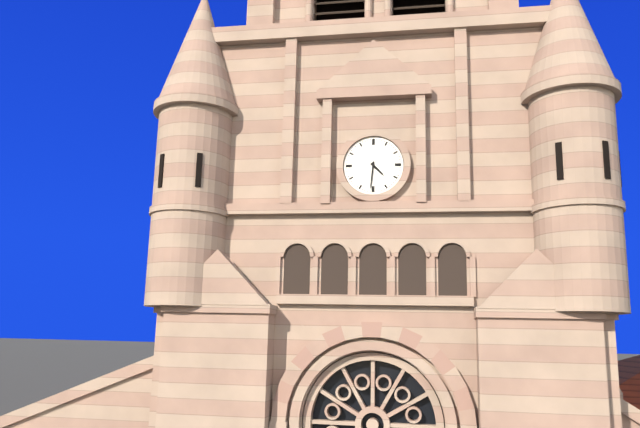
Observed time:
{"hour": 4, "minute": 31}
